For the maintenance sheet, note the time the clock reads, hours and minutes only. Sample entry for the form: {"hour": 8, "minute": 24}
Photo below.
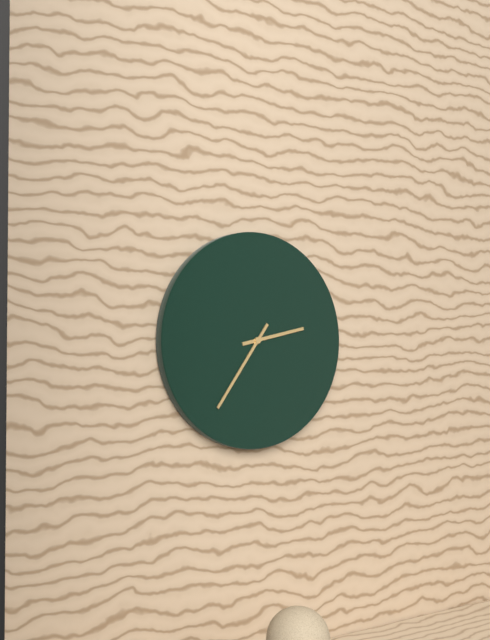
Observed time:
{"hour": 2, "minute": 36}
